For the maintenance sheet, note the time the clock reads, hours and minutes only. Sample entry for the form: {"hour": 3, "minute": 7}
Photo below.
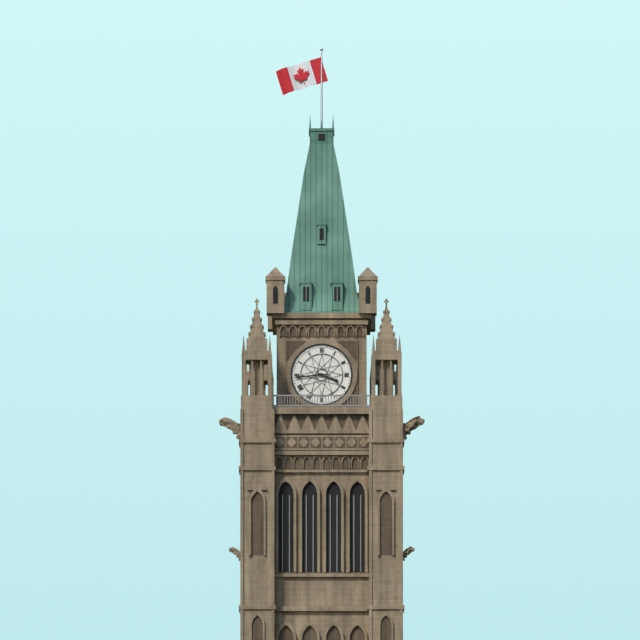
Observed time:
{"hour": 3, "minute": 44}
